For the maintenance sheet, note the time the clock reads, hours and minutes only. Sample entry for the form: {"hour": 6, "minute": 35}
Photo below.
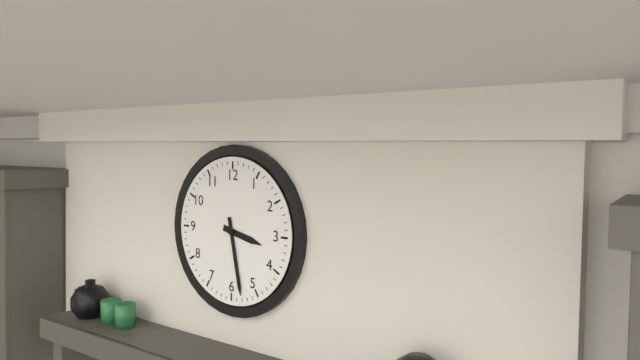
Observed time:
{"hour": 3, "minute": 28}
